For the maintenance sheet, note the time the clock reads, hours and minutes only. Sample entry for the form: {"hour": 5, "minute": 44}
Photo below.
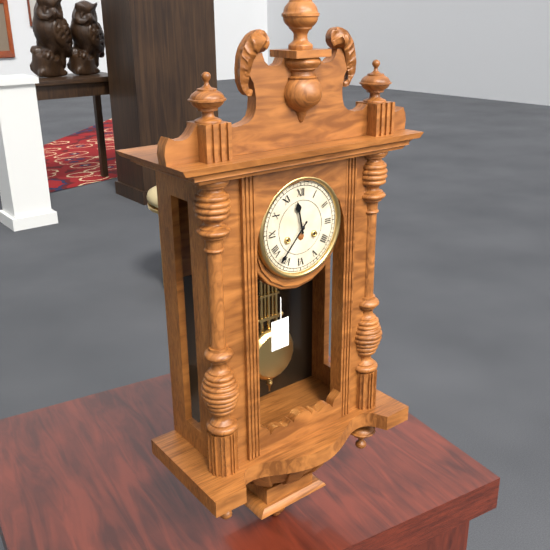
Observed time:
{"hour": 11, "minute": 37}
